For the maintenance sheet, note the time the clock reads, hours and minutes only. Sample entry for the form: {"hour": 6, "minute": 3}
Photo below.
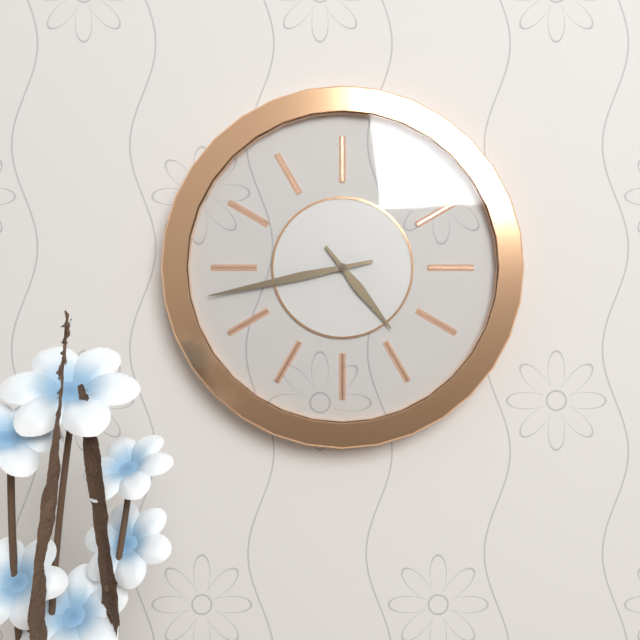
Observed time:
{"hour": 4, "minute": 43}
